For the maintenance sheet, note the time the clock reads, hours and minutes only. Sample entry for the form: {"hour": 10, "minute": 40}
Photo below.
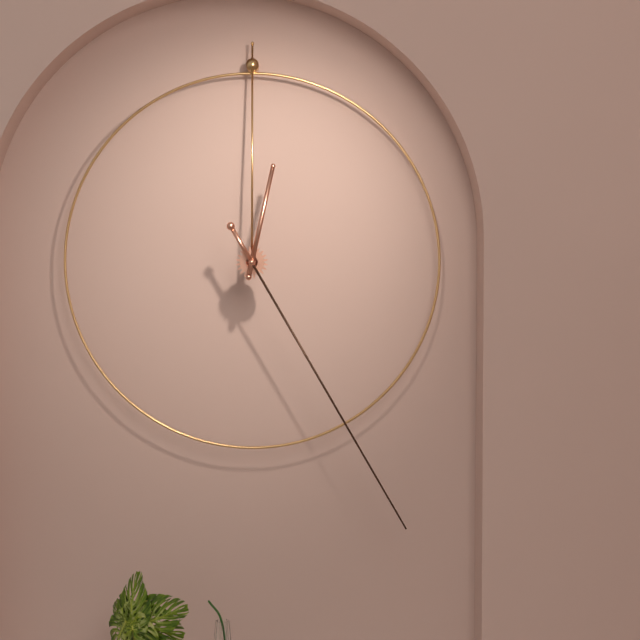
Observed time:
{"hour": 12, "minute": 25}
